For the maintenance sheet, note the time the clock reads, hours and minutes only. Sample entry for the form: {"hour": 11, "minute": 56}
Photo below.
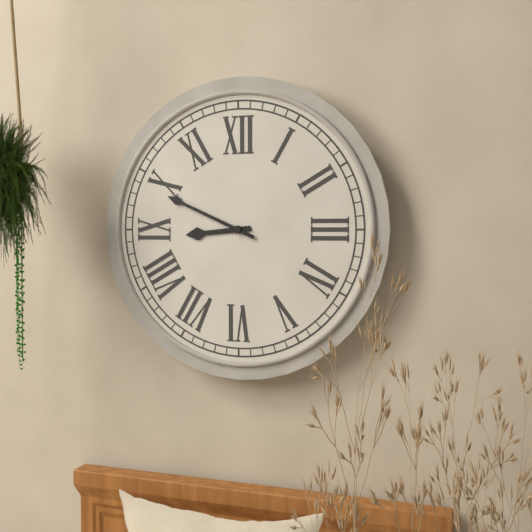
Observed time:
{"hour": 8, "minute": 49}
